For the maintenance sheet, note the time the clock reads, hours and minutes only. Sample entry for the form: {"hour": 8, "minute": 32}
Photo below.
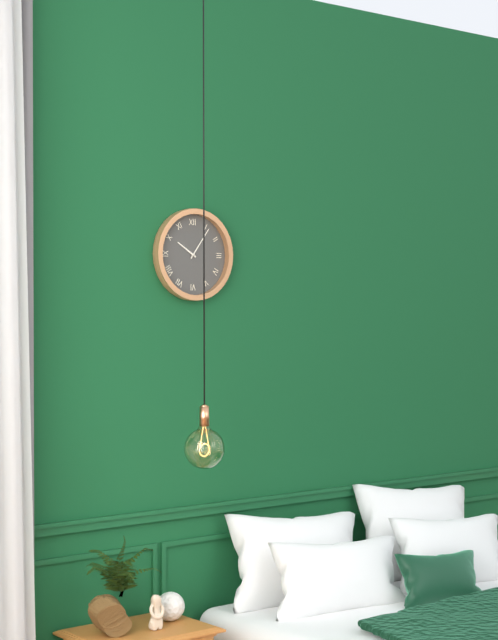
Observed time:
{"hour": 10, "minute": 6}
